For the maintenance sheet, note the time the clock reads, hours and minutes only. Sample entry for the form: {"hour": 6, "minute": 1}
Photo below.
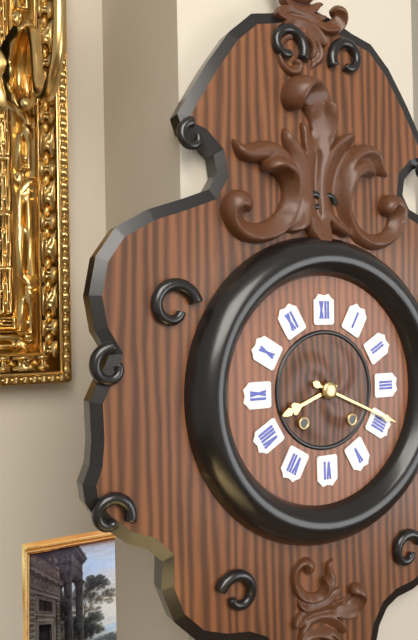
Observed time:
{"hour": 8, "minute": 19}
